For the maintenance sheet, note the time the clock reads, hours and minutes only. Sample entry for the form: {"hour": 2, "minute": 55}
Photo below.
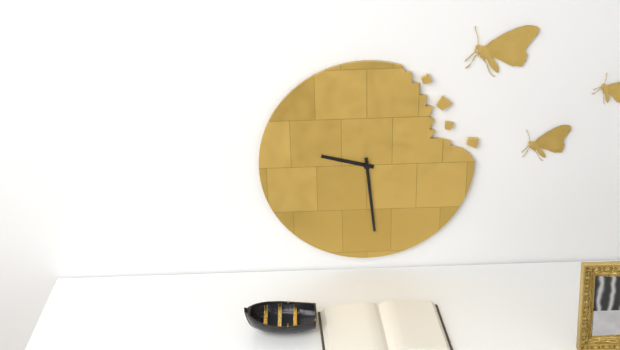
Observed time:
{"hour": 9, "minute": 29}
